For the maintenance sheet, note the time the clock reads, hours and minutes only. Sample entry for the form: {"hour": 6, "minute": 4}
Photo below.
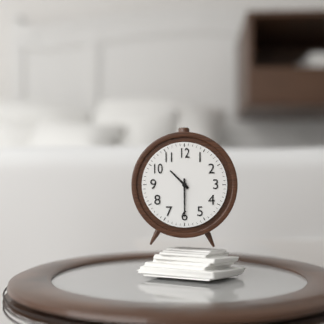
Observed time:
{"hour": 10, "minute": 30}
